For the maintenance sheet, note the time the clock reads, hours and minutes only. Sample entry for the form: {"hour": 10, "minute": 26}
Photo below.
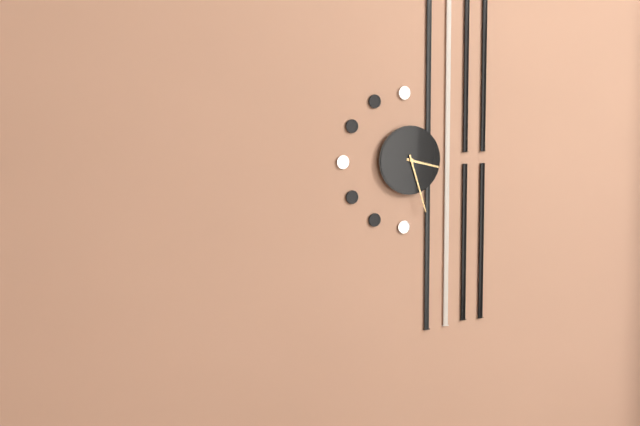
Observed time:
{"hour": 3, "minute": 27}
